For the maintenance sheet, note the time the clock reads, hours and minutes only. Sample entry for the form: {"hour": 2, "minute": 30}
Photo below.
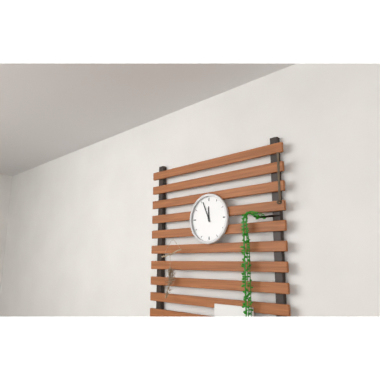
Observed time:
{"hour": 11, "minute": 56}
